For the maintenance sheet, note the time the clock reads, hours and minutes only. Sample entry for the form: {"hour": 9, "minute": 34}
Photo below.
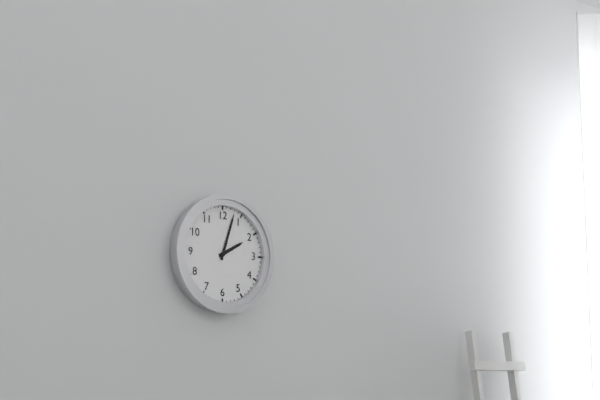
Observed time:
{"hour": 2, "minute": 3}
